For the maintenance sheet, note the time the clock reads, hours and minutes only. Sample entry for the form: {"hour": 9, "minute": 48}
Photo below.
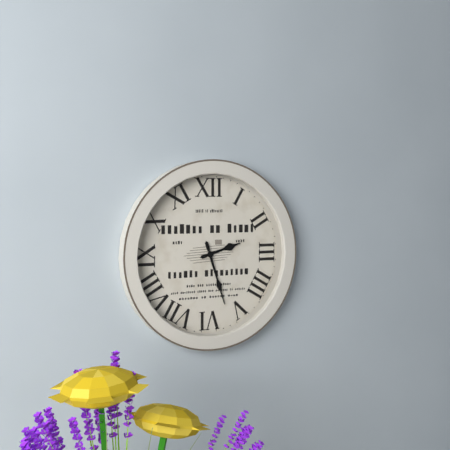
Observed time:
{"hour": 2, "minute": 27}
